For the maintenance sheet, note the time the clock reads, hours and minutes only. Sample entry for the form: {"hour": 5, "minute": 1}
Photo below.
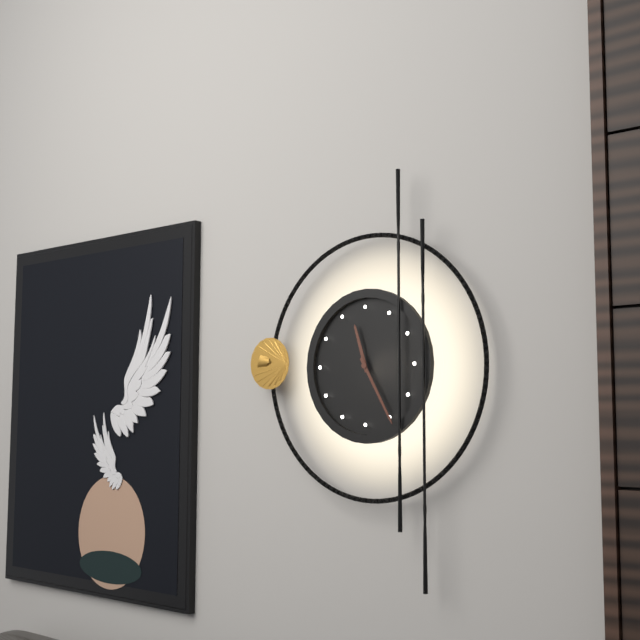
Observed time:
{"hour": 11, "minute": 25}
